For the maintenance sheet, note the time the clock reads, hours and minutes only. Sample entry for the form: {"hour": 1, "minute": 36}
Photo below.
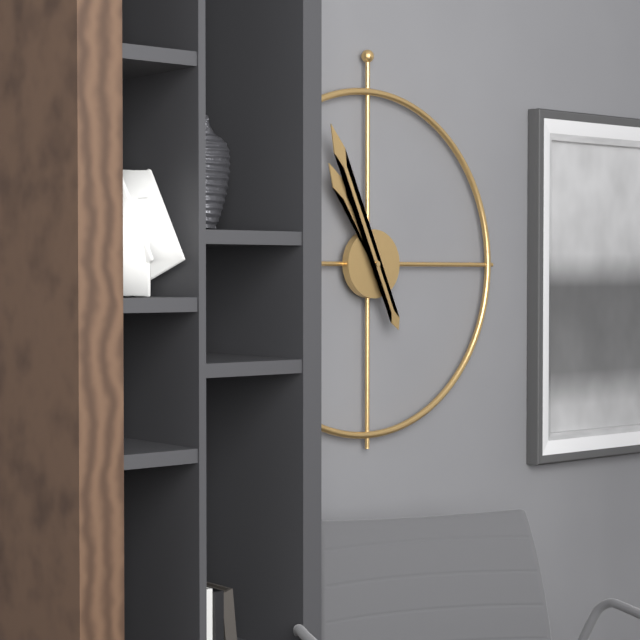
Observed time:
{"hour": 10, "minute": 56}
